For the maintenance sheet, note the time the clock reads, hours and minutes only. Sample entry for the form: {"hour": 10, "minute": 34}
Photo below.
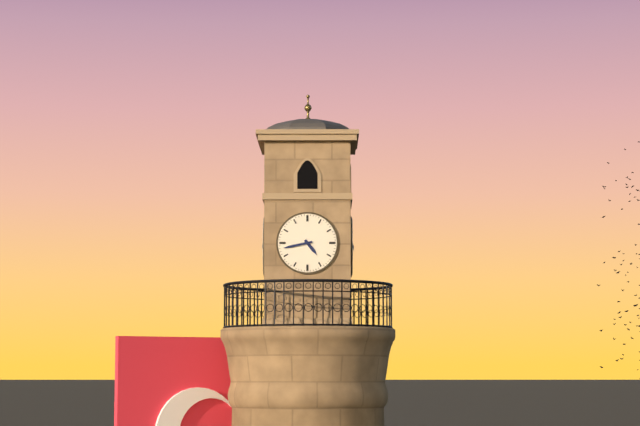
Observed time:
{"hour": 4, "minute": 43}
